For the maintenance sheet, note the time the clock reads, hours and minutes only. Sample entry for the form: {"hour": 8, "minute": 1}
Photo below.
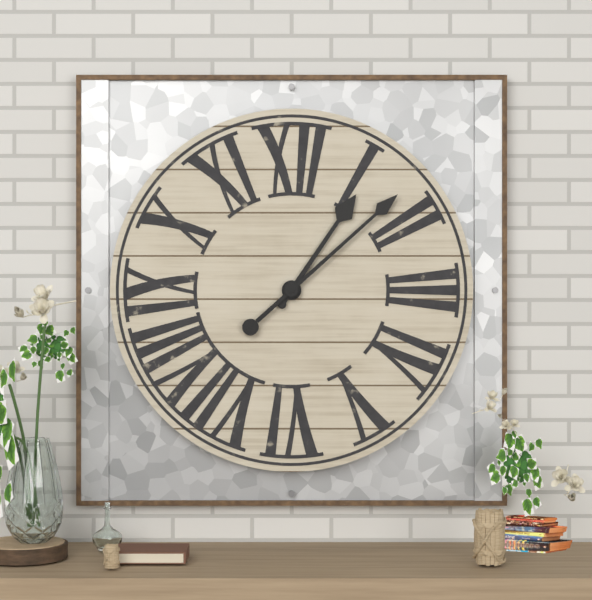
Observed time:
{"hour": 1, "minute": 8}
